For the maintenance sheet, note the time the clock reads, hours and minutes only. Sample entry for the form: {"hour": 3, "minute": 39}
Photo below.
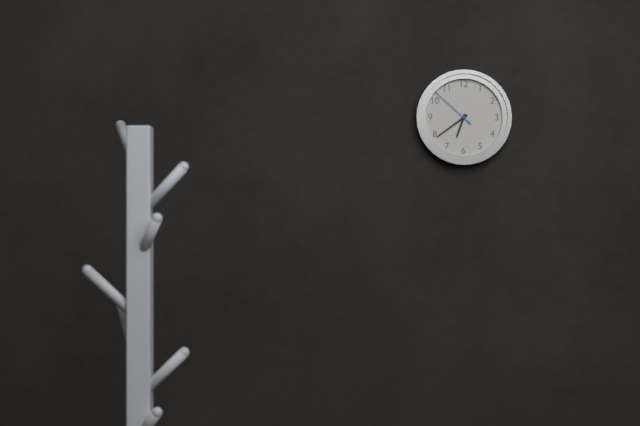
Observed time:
{"hour": 6, "minute": 39}
